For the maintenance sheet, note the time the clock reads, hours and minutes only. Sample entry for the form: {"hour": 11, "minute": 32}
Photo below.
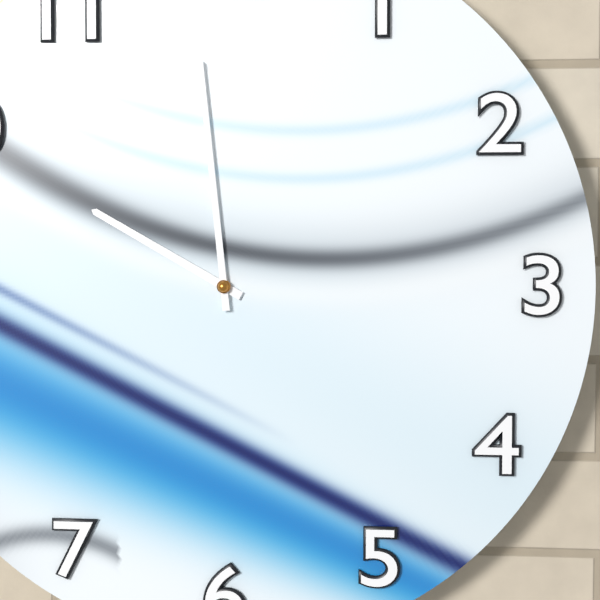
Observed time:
{"hour": 9, "minute": 59}
